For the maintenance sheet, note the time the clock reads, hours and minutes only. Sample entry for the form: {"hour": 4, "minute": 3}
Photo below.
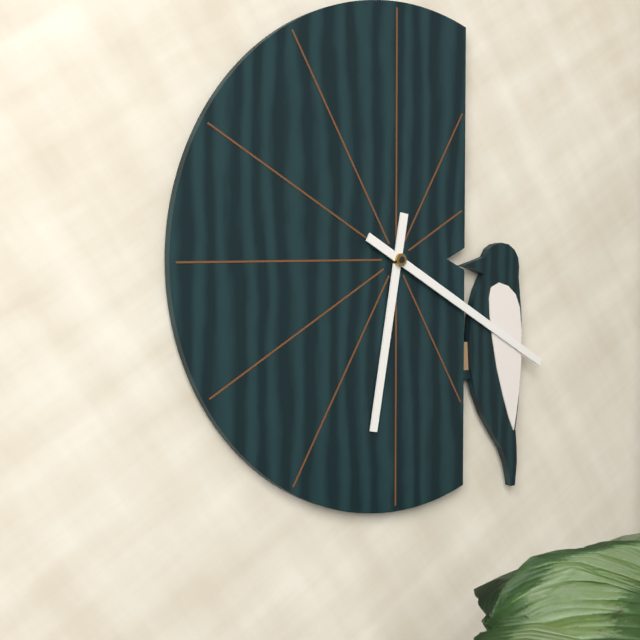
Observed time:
{"hour": 6, "minute": 20}
